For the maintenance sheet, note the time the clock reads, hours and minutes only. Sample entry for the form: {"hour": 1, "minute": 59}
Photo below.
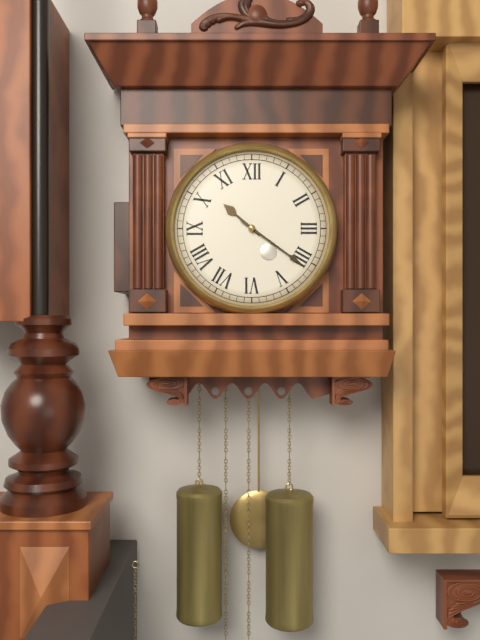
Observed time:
{"hour": 10, "minute": 21}
